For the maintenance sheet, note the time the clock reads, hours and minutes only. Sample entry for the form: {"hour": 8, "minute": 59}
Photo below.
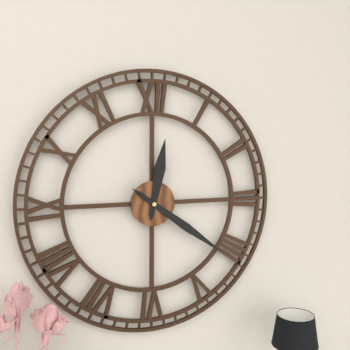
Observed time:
{"hour": 12, "minute": 21}
